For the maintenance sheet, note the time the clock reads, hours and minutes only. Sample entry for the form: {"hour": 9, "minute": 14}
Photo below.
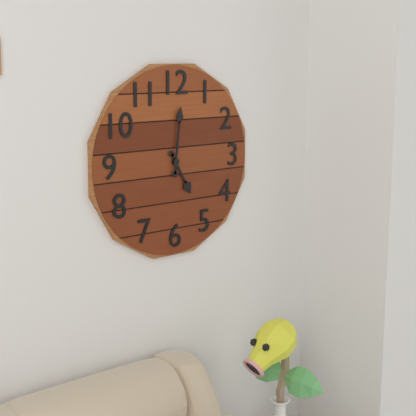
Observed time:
{"hour": 5, "minute": 1}
